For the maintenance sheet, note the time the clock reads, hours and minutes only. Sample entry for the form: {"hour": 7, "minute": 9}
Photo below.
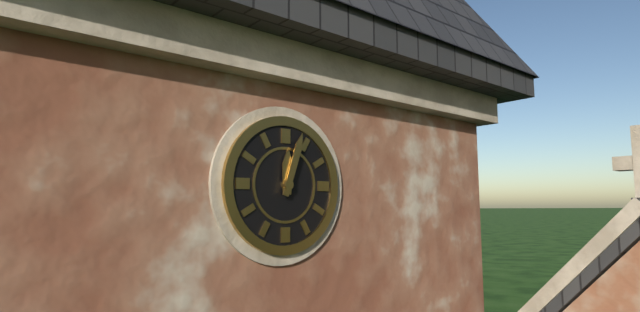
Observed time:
{"hour": 12, "minute": 3}
